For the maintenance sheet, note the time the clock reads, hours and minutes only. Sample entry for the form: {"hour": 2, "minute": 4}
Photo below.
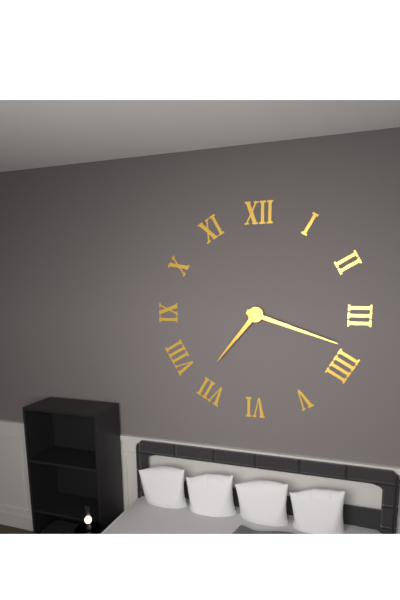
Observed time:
{"hour": 7, "minute": 18}
